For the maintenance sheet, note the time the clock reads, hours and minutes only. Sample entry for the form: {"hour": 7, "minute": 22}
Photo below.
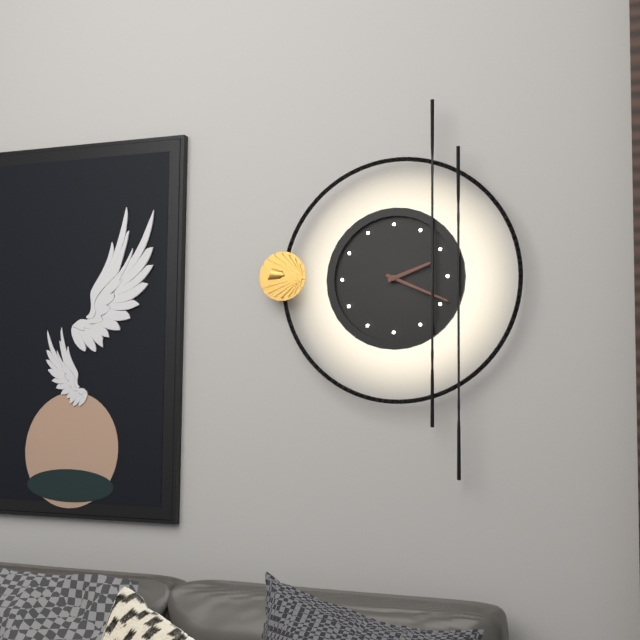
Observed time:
{"hour": 2, "minute": 19}
